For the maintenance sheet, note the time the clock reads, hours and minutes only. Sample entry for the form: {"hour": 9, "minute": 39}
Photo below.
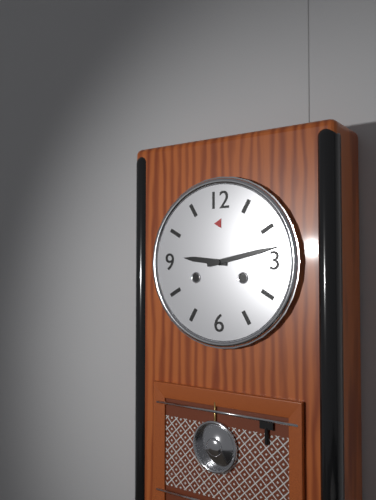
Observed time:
{"hour": 9, "minute": 13}
